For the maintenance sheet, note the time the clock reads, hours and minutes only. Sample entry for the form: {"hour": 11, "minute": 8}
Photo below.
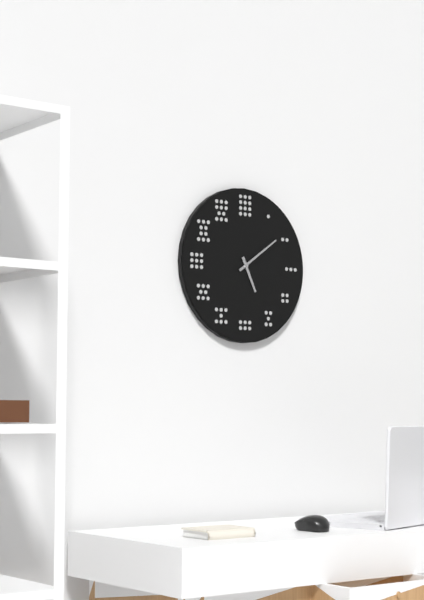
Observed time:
{"hour": 5, "minute": 9}
